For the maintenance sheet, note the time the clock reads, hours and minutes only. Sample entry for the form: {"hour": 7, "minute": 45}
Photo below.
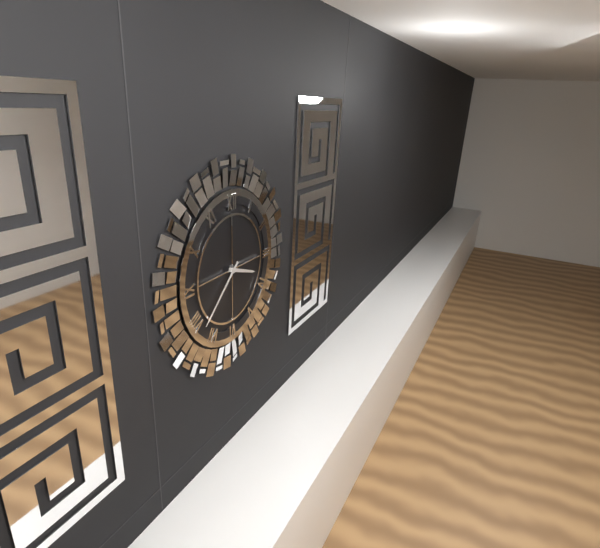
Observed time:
{"hour": 3, "minute": 38}
